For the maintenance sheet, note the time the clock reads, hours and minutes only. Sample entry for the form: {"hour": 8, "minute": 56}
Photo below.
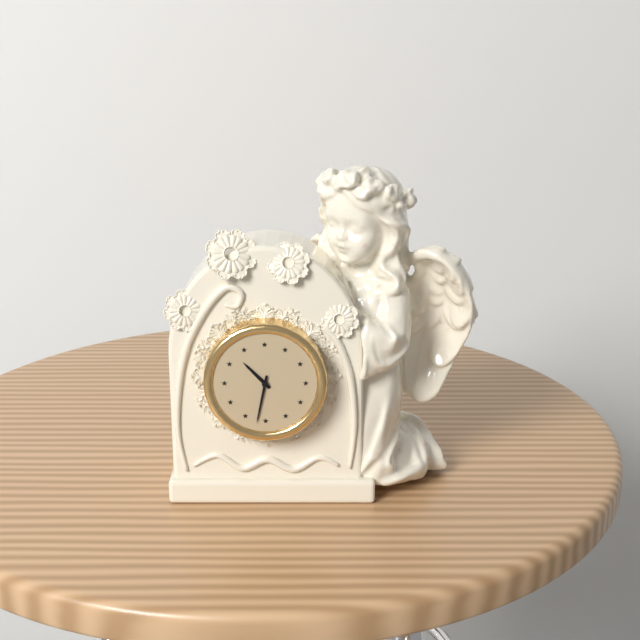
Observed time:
{"hour": 10, "minute": 32}
